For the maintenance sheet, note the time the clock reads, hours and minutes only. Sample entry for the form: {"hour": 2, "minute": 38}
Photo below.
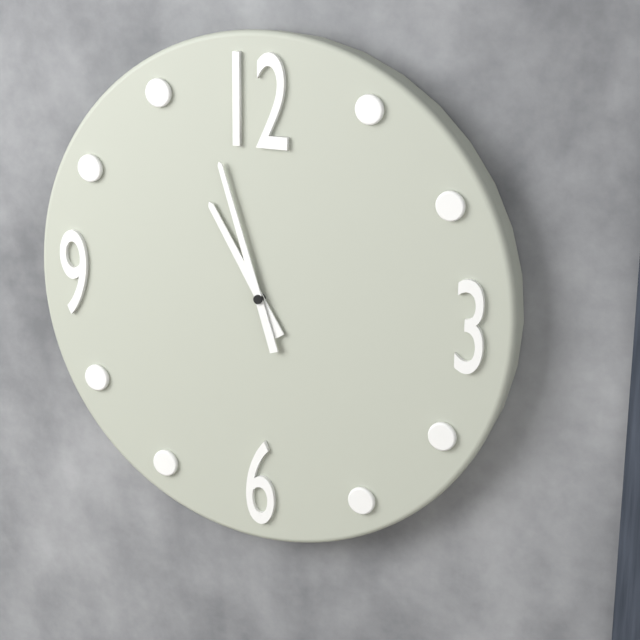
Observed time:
{"hour": 10, "minute": 57}
